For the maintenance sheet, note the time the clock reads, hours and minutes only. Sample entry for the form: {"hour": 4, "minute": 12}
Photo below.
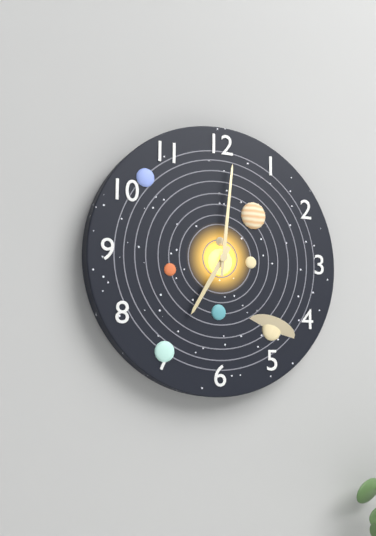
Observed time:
{"hour": 7, "minute": 1}
